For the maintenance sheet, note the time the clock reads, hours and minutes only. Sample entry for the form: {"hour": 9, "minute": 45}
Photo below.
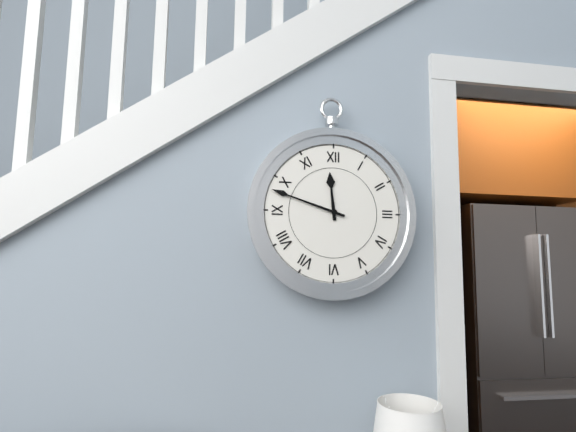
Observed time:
{"hour": 11, "minute": 48}
